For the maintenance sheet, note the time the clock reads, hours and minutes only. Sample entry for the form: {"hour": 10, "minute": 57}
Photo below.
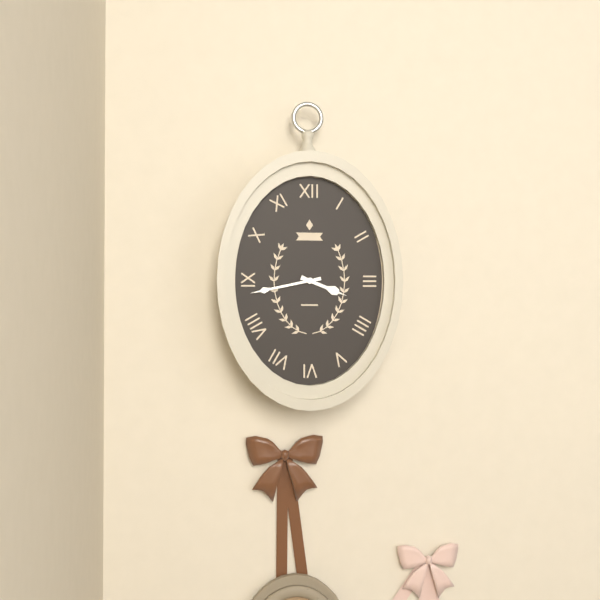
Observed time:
{"hour": 3, "minute": 43}
